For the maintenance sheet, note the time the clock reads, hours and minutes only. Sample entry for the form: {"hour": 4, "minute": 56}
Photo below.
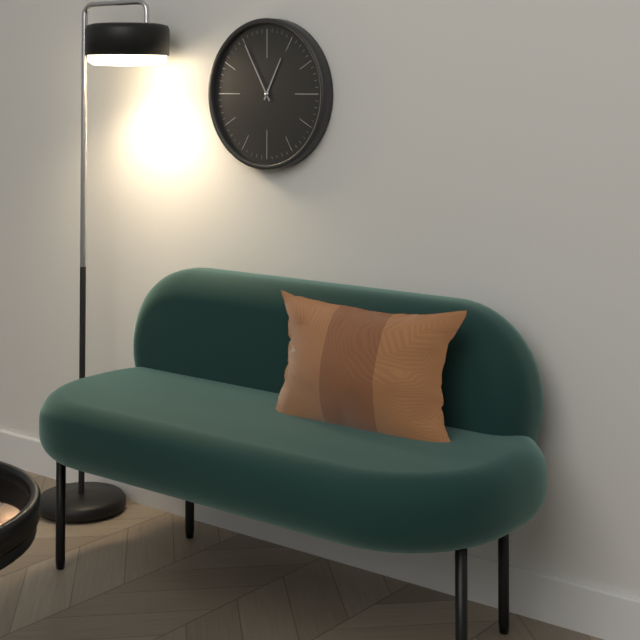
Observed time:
{"hour": 12, "minute": 55}
